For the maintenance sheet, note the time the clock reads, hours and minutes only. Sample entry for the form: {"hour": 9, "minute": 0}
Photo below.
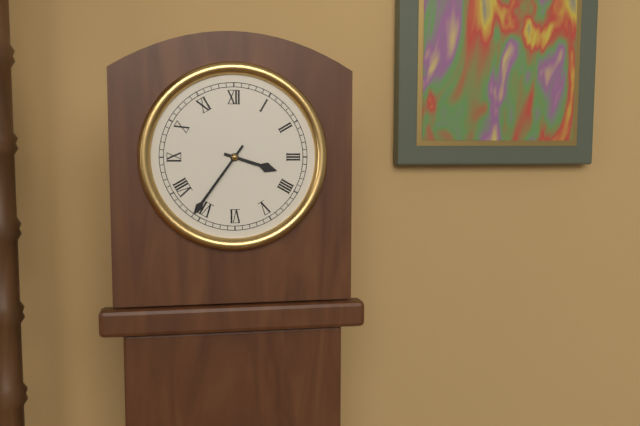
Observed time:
{"hour": 3, "minute": 36}
